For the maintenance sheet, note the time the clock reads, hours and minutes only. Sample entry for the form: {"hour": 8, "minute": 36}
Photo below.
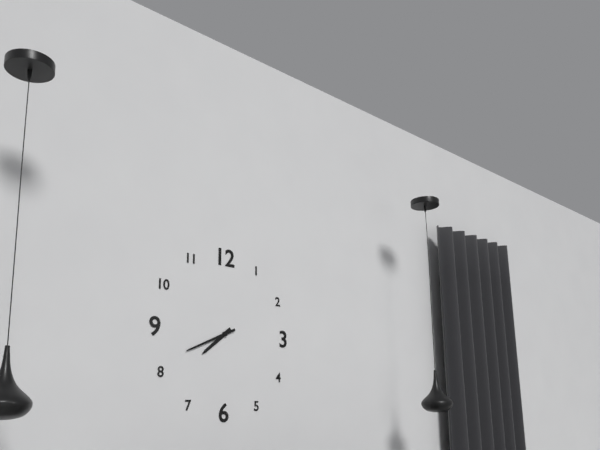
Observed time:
{"hour": 7, "minute": 41}
